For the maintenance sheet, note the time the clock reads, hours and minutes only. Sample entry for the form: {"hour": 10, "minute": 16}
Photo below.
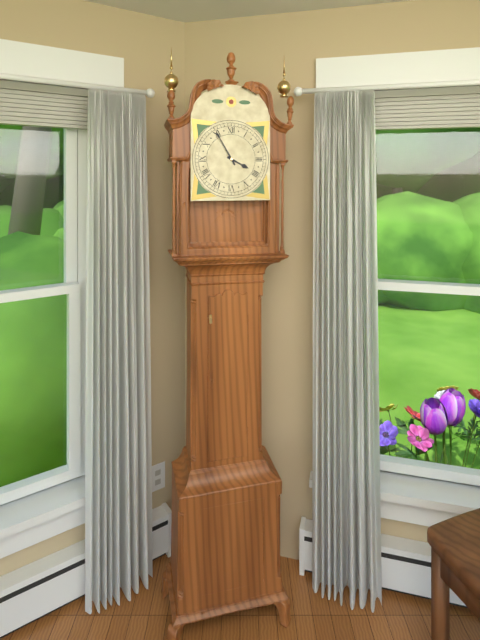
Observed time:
{"hour": 3, "minute": 55}
